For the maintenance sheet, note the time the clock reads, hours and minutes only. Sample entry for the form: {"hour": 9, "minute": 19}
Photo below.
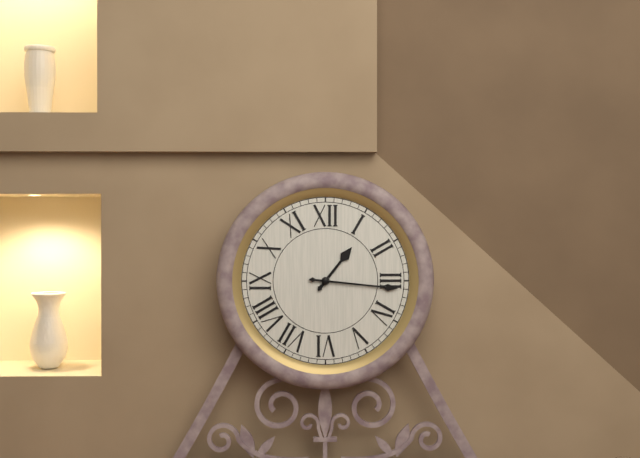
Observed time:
{"hour": 1, "minute": 16}
